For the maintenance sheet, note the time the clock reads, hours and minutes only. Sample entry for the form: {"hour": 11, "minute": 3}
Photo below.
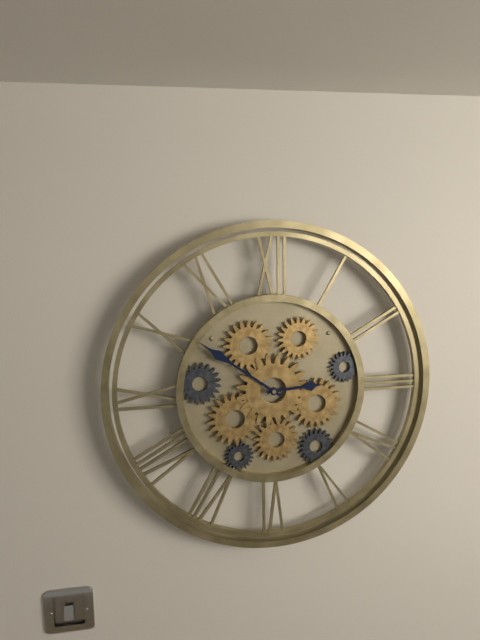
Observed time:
{"hour": 2, "minute": 51}
